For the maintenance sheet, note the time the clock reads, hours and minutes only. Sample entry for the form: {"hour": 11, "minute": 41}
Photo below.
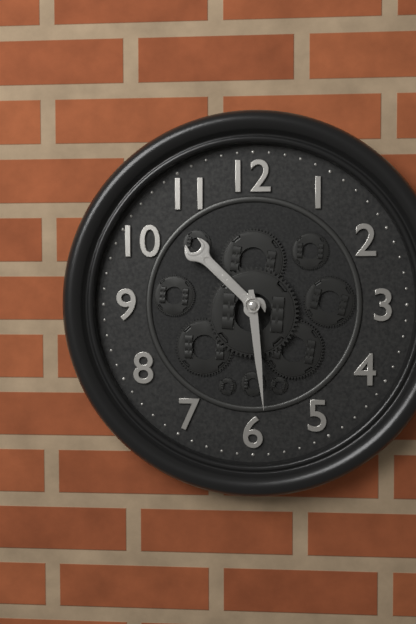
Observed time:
{"hour": 10, "minute": 29}
